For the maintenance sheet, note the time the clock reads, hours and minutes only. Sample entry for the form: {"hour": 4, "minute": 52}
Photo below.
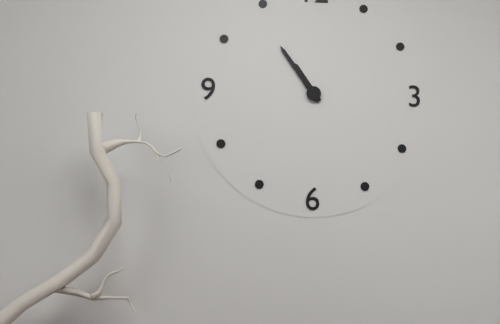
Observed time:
{"hour": 10, "minute": 54}
